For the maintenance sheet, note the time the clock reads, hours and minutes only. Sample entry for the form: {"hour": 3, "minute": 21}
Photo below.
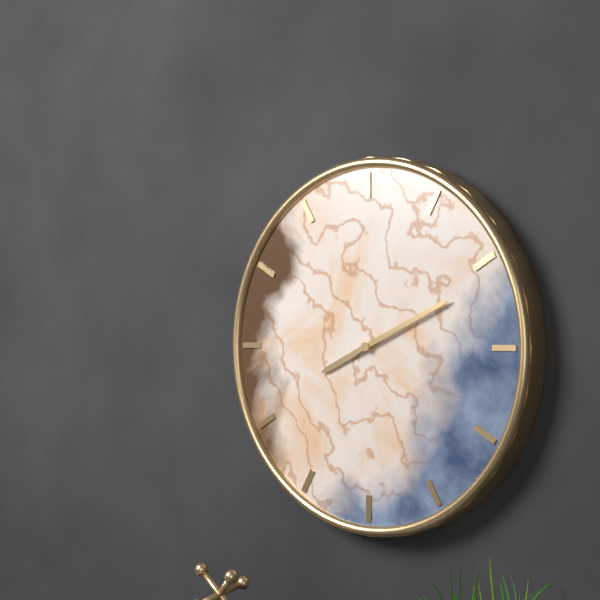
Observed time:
{"hour": 8, "minute": 11}
